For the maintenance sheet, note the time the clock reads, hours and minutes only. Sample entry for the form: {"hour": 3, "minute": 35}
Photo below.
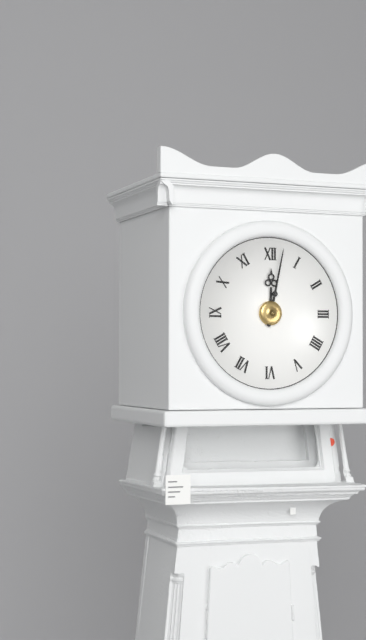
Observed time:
{"hour": 12, "minute": 2}
